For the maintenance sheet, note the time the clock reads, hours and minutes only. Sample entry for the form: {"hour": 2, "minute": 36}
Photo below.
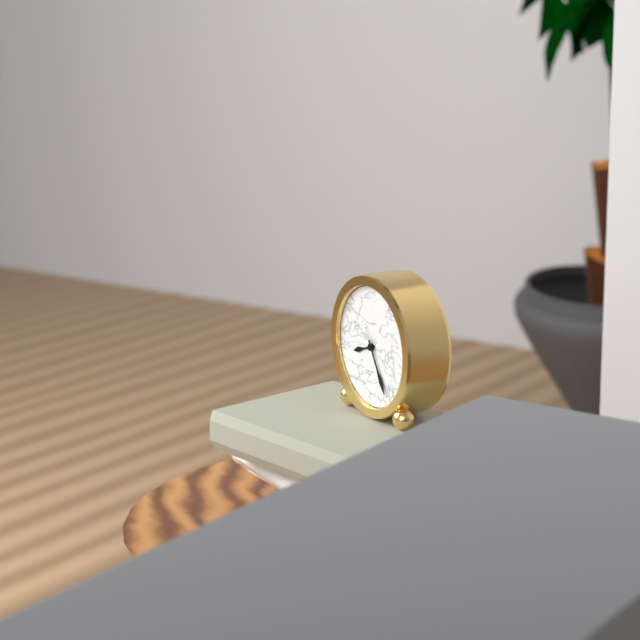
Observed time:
{"hour": 8, "minute": 25}
